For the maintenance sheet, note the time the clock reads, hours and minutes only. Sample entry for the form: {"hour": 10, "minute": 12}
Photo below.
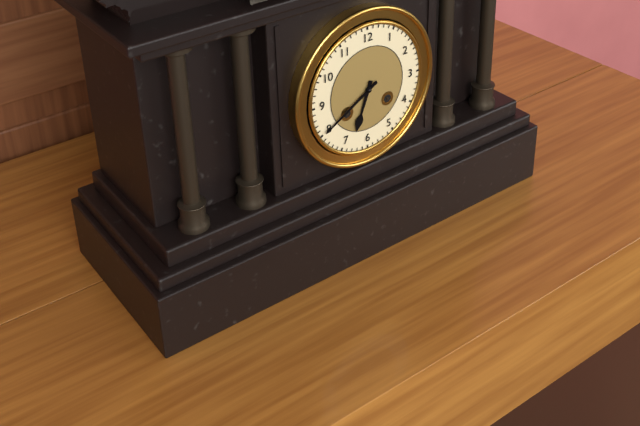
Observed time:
{"hour": 6, "minute": 40}
